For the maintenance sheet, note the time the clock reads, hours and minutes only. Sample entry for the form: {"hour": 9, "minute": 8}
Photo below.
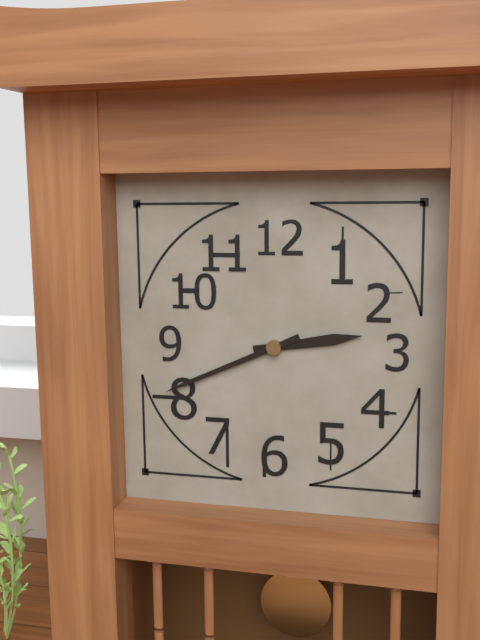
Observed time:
{"hour": 2, "minute": 41}
